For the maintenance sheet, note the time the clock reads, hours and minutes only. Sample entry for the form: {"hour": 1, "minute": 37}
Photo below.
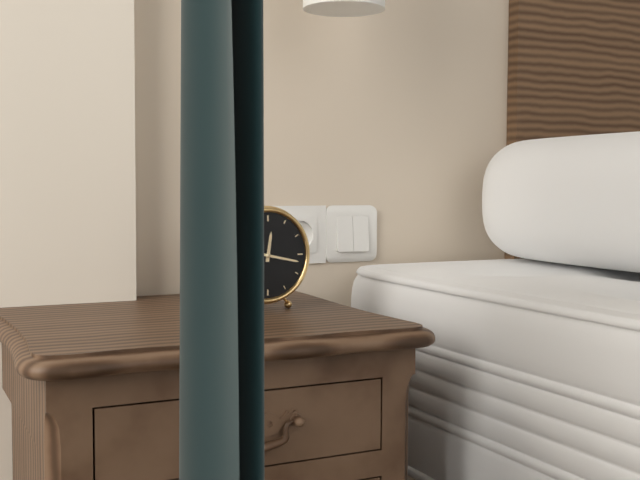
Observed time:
{"hour": 12, "minute": 17}
